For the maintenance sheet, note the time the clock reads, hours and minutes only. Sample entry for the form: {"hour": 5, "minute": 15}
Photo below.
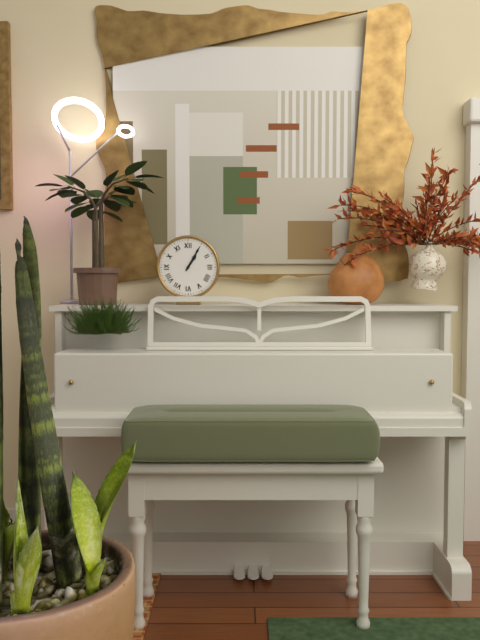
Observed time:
{"hour": 1, "minute": 5}
